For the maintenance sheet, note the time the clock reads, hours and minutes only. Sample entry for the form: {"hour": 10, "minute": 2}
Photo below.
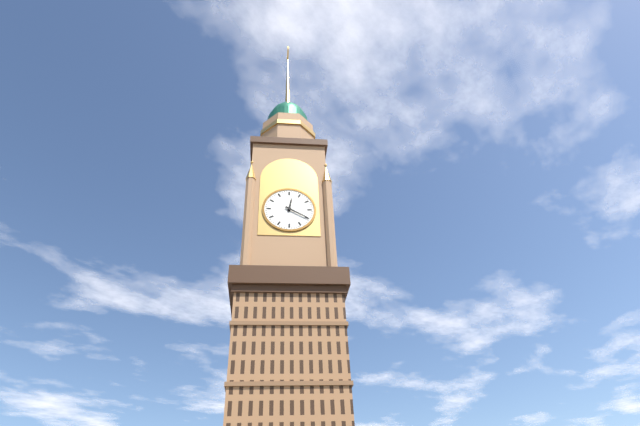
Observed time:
{"hour": 12, "minute": 20}
